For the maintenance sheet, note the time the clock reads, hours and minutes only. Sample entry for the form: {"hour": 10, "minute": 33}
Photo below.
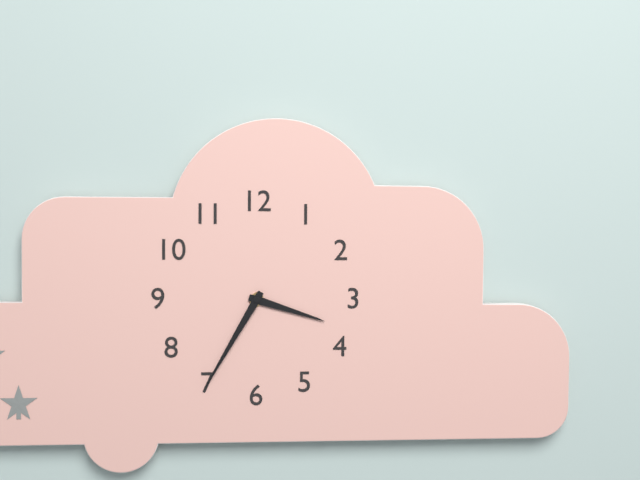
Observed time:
{"hour": 3, "minute": 35}
